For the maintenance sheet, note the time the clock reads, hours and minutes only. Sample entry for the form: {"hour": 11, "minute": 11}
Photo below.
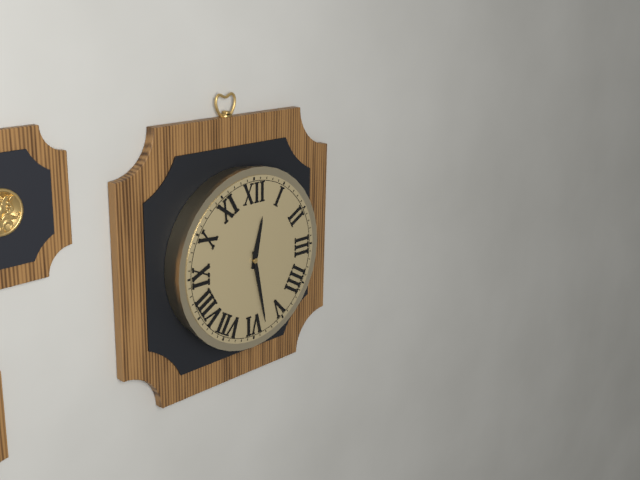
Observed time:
{"hour": 12, "minute": 28}
